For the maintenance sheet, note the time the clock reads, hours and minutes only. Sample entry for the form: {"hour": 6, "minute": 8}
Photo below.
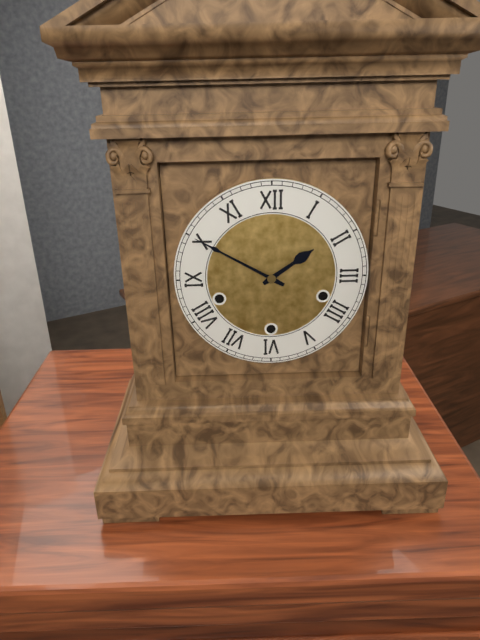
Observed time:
{"hour": 1, "minute": 50}
